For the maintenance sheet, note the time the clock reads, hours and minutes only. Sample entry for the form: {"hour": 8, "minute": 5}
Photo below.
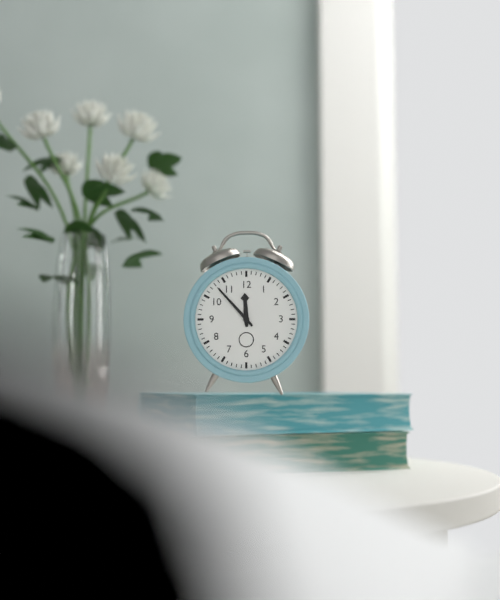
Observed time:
{"hour": 11, "minute": 53}
